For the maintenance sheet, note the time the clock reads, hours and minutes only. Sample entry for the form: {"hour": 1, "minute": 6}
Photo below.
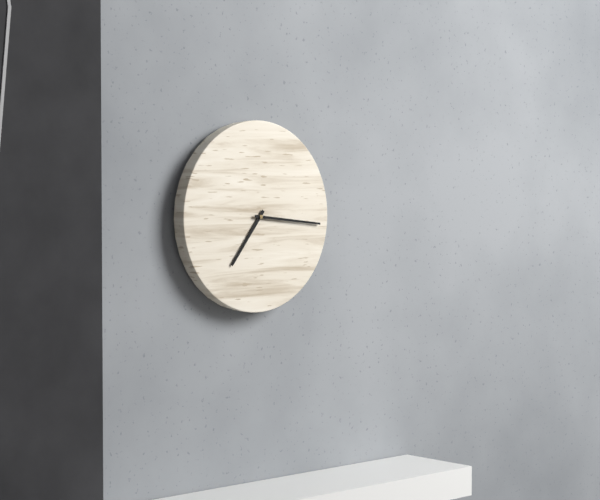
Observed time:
{"hour": 7, "minute": 16}
